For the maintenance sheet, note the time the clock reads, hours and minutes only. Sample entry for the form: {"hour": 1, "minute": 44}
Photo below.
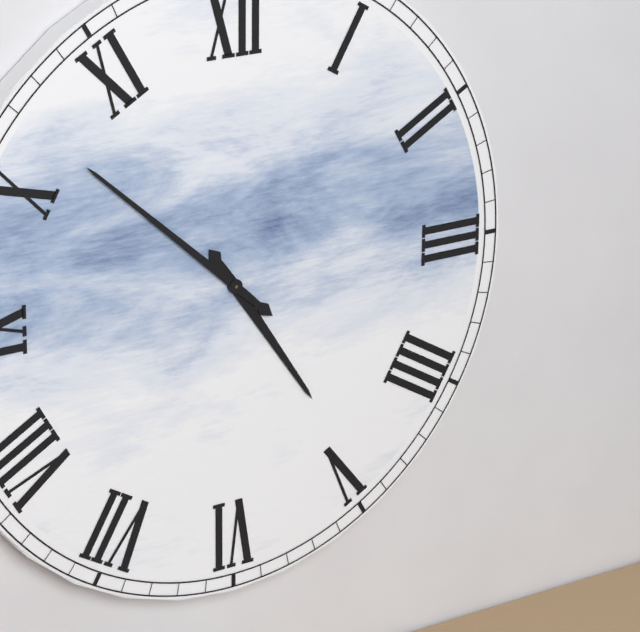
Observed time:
{"hour": 4, "minute": 52}
